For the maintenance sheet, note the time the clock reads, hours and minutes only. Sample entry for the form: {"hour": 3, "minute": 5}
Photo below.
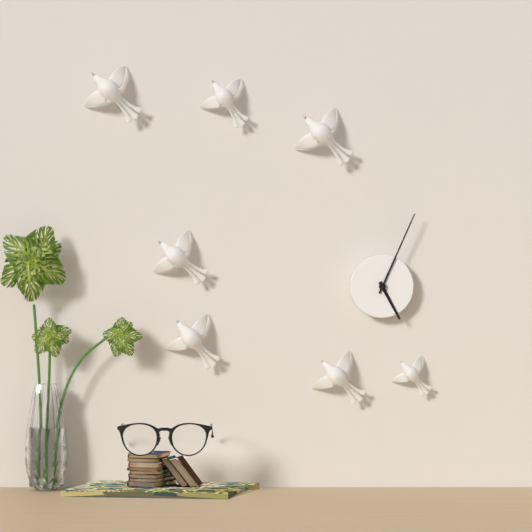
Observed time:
{"hour": 5, "minute": 4}
